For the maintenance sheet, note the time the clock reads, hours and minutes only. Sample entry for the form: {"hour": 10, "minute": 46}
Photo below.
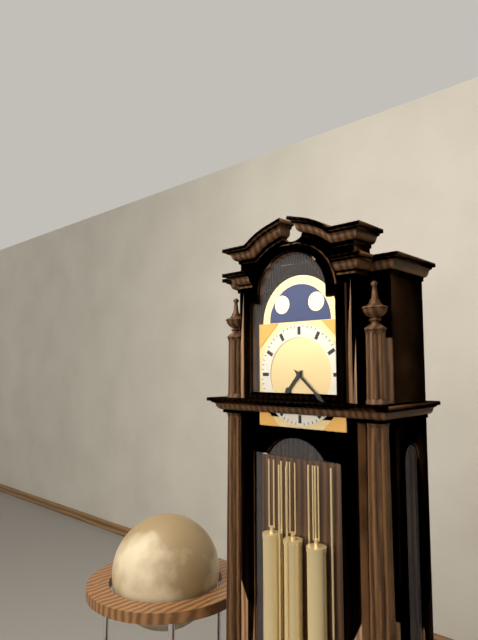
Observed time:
{"hour": 7, "minute": 22}
